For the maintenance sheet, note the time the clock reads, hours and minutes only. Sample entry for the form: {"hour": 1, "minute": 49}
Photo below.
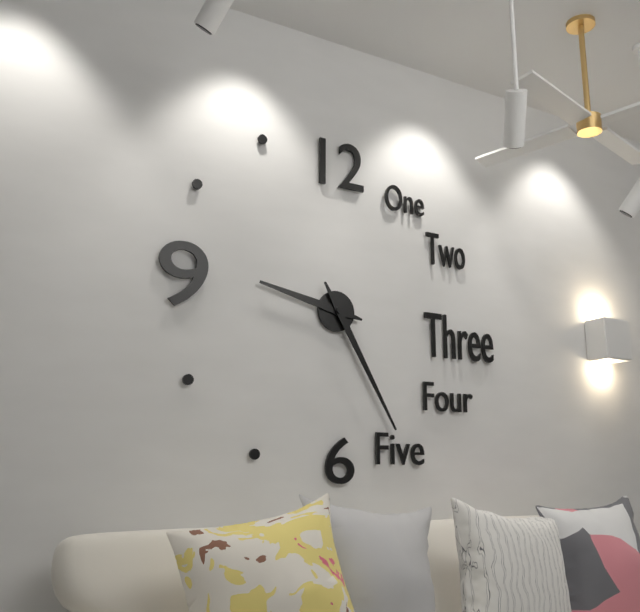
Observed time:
{"hour": 9, "minute": 25}
